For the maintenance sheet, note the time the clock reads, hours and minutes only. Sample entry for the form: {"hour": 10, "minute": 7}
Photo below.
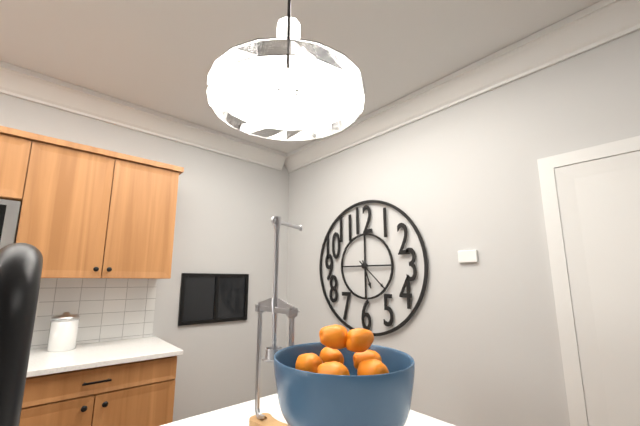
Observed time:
{"hour": 5, "minute": 22}
